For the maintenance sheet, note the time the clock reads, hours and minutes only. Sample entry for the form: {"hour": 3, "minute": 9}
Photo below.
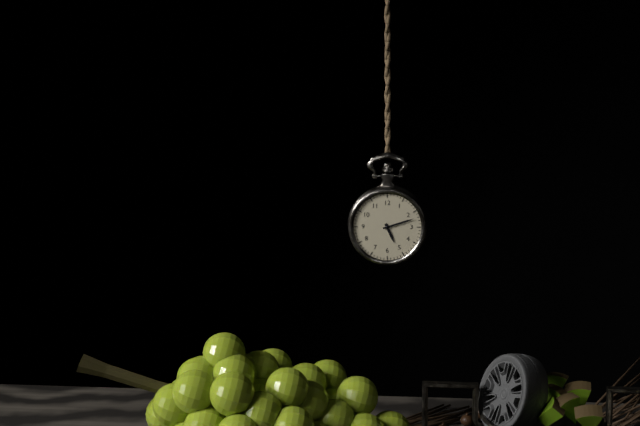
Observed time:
{"hour": 5, "minute": 12}
